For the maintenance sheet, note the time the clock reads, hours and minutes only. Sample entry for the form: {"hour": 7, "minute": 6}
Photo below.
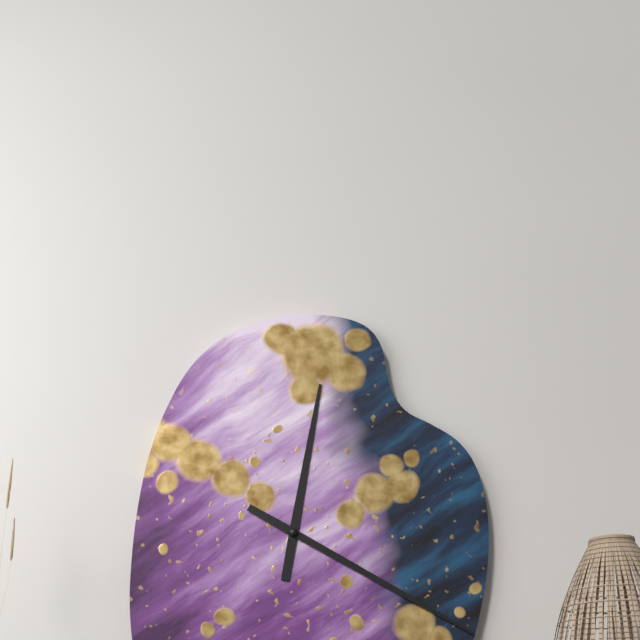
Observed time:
{"hour": 12, "minute": 20}
